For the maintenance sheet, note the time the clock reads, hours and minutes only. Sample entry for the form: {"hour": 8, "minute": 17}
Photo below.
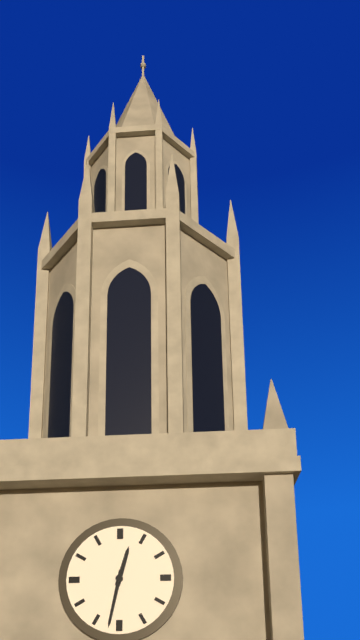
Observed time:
{"hour": 12, "minute": 32}
